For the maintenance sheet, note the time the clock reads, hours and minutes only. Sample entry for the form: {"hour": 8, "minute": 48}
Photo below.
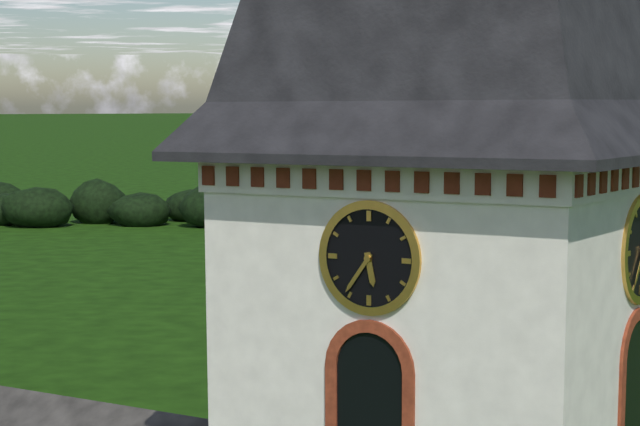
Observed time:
{"hour": 5, "minute": 36}
